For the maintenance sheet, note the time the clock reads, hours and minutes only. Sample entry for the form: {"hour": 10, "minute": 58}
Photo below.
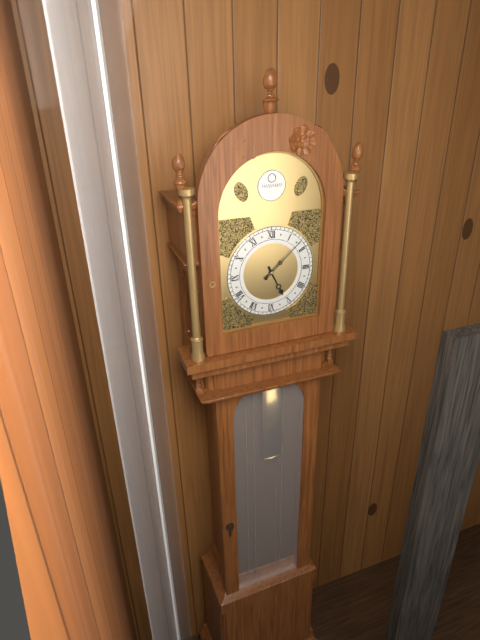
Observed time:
{"hour": 5, "minute": 8}
